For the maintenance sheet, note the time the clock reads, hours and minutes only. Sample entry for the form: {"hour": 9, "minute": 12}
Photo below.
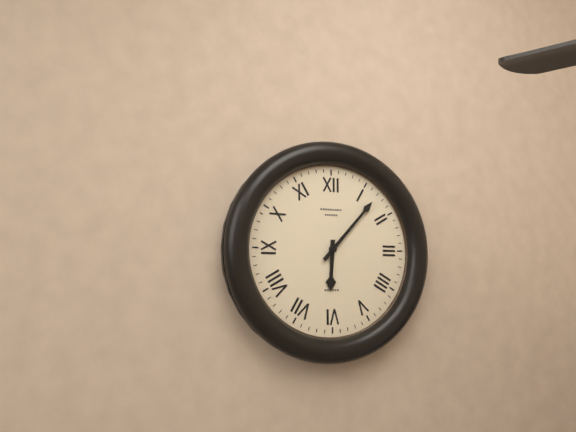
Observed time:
{"hour": 6, "minute": 7}
